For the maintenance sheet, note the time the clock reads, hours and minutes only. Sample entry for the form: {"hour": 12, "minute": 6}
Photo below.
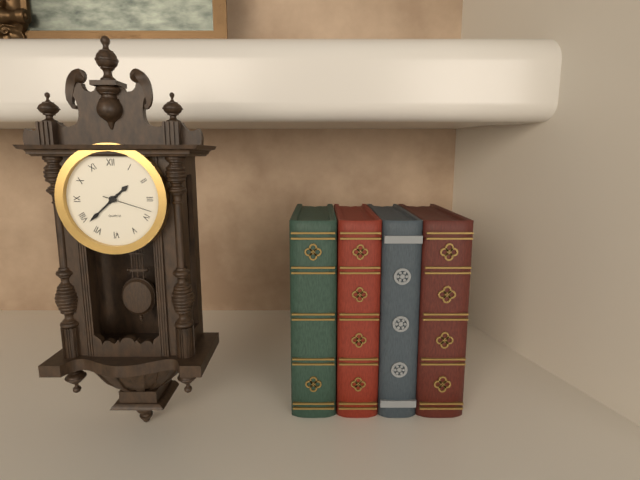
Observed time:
{"hour": 1, "minute": 38}
